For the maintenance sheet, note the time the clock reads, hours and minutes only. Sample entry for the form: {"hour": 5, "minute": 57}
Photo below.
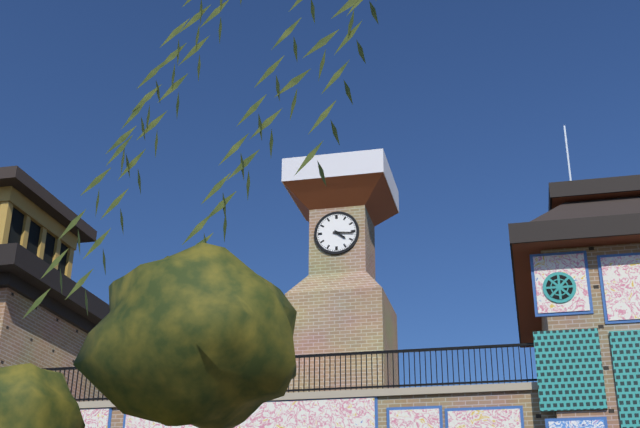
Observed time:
{"hour": 4, "minute": 16}
